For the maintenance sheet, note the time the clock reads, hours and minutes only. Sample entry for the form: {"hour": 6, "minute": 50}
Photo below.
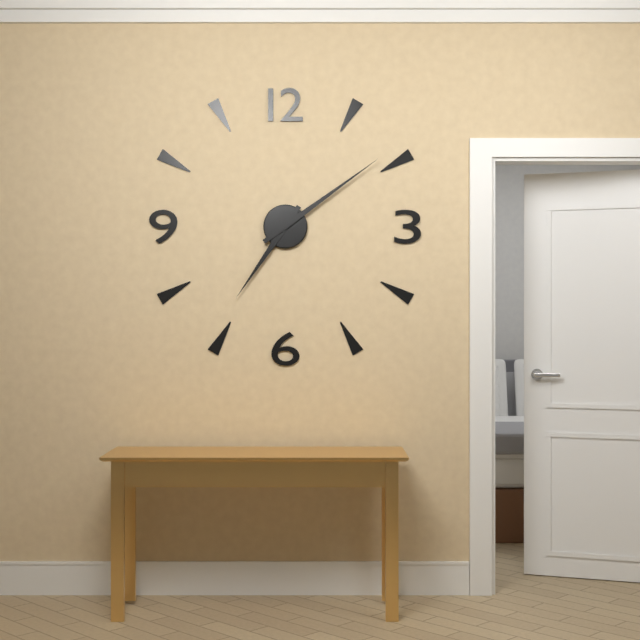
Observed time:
{"hour": 7, "minute": 9}
